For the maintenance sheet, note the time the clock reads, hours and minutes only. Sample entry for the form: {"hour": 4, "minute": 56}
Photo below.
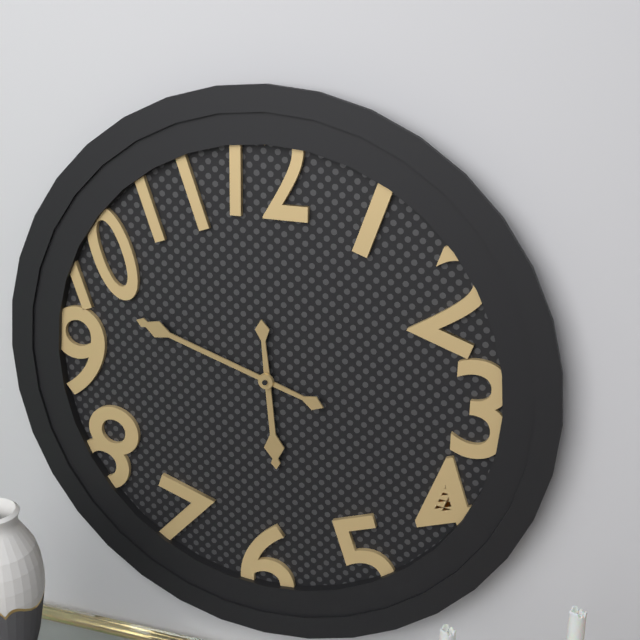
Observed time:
{"hour": 5, "minute": 48}
